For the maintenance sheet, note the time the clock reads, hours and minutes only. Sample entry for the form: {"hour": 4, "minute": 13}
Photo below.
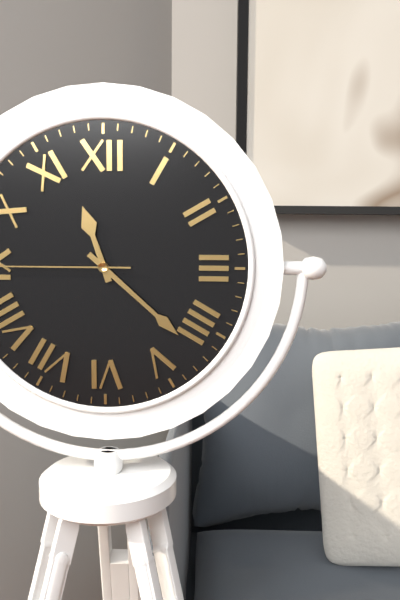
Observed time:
{"hour": 11, "minute": 22}
